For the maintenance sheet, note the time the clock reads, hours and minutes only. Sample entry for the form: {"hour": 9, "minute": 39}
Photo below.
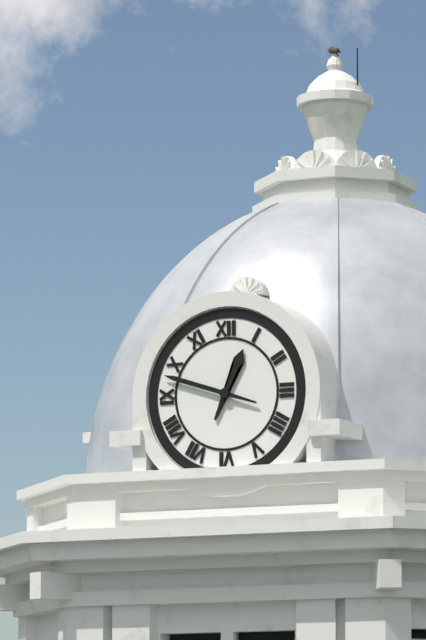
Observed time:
{"hour": 12, "minute": 48}
